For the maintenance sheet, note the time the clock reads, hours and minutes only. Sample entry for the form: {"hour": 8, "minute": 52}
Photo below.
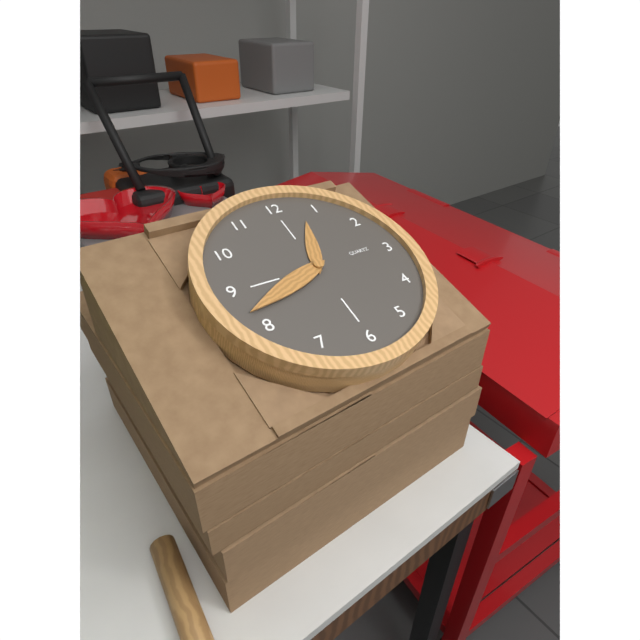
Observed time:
{"hour": 12, "minute": 42}
